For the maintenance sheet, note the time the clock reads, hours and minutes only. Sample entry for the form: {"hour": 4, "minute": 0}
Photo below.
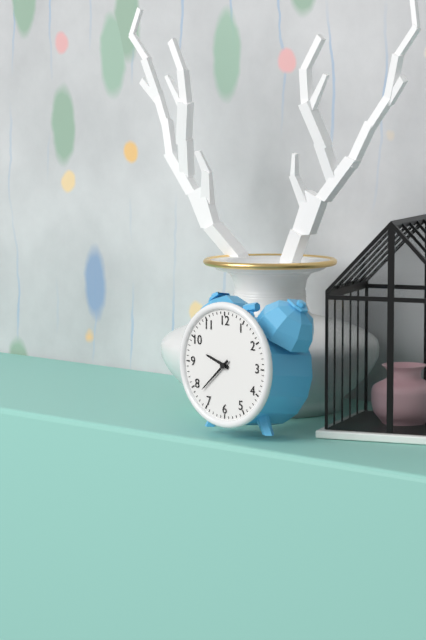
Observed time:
{"hour": 9, "minute": 38}
